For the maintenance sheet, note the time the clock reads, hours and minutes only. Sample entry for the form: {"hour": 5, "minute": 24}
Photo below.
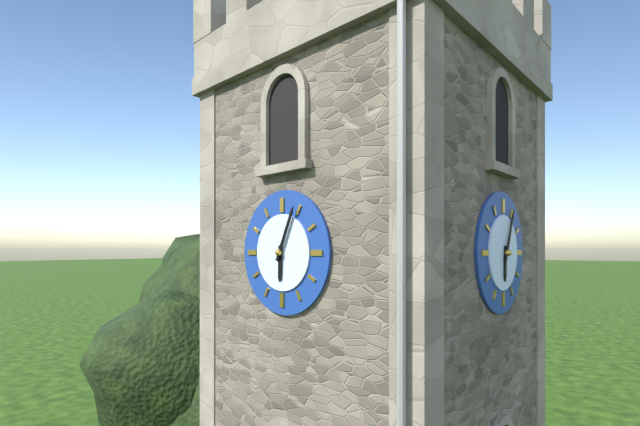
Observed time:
{"hour": 6, "minute": 4}
